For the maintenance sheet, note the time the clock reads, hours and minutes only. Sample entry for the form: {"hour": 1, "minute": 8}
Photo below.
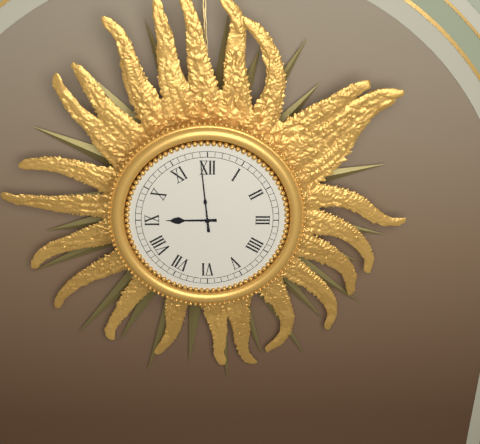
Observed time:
{"hour": 8, "minute": 59}
